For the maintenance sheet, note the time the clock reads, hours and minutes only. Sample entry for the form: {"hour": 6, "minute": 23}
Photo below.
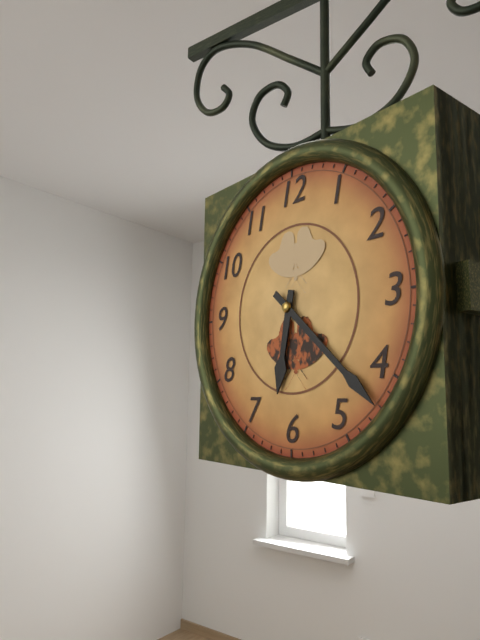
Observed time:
{"hour": 6, "minute": 22}
